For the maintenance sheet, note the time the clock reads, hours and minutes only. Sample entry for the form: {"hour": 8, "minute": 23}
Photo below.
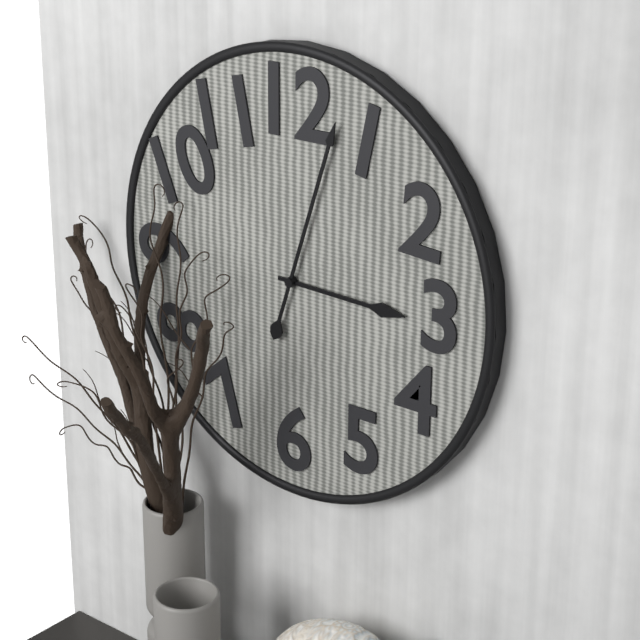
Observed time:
{"hour": 3, "minute": 3}
